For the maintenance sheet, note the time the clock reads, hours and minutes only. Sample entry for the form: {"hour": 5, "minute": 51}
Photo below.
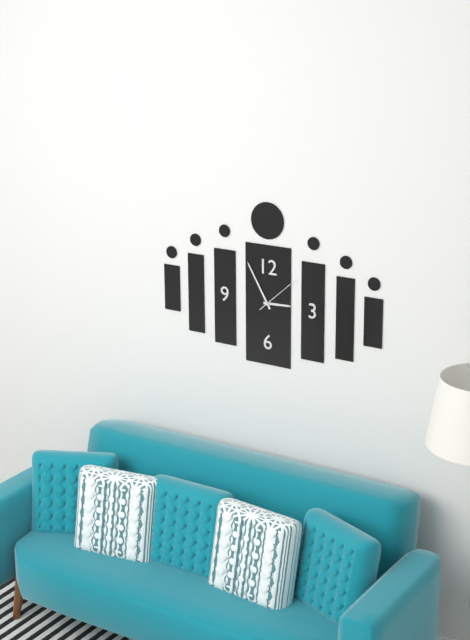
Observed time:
{"hour": 2, "minute": 55}
